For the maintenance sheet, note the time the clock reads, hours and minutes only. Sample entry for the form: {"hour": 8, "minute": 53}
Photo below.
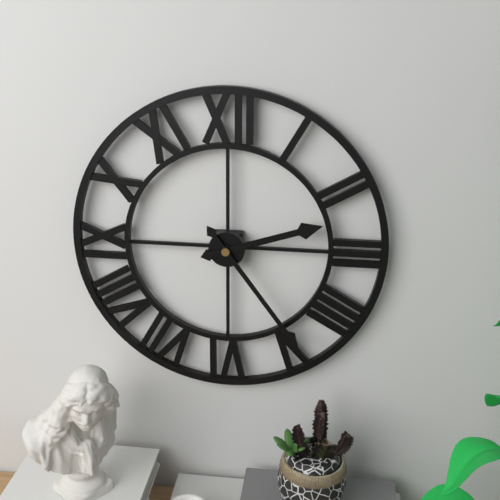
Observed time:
{"hour": 2, "minute": 24}
